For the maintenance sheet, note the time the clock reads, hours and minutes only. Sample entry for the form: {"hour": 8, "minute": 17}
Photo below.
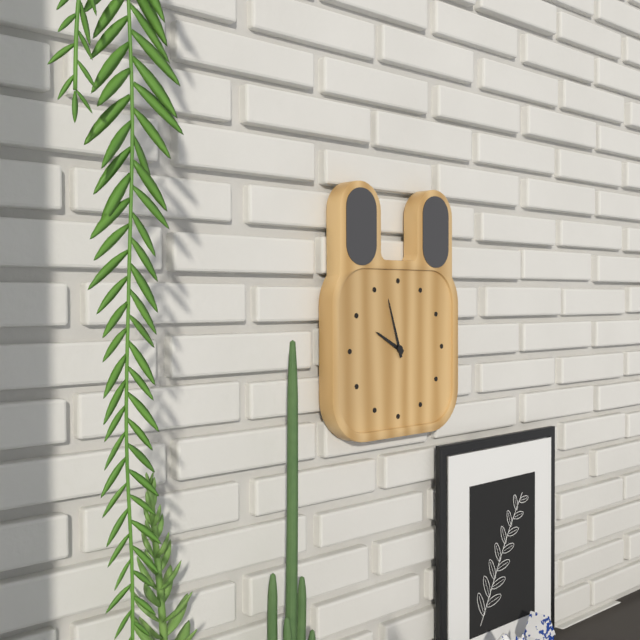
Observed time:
{"hour": 9, "minute": 57}
